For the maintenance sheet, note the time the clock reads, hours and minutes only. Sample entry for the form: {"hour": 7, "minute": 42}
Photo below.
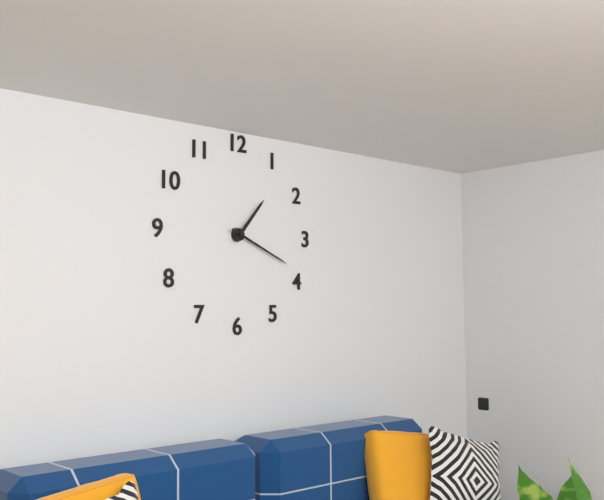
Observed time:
{"hour": 1, "minute": 19}
